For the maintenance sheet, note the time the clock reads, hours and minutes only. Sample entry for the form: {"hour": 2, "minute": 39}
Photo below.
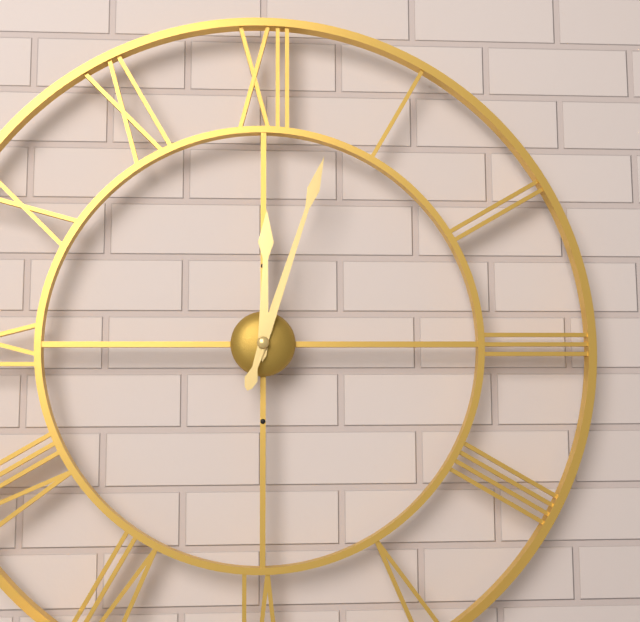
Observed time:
{"hour": 12, "minute": 3}
